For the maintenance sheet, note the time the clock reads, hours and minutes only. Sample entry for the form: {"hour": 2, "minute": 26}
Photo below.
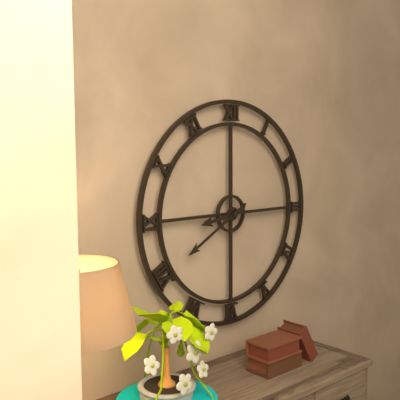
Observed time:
{"hour": 8, "minute": 40}
